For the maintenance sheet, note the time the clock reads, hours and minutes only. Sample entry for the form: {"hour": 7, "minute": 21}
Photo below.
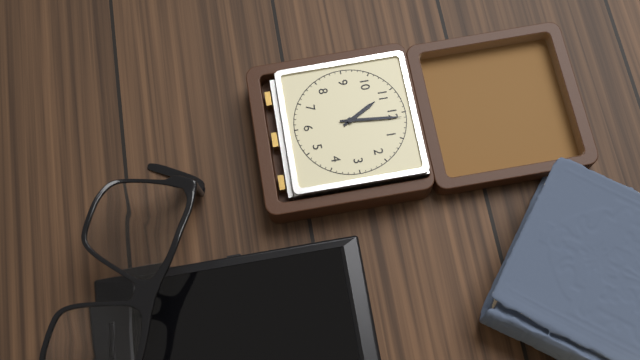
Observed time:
{"hour": 11, "minute": 1}
